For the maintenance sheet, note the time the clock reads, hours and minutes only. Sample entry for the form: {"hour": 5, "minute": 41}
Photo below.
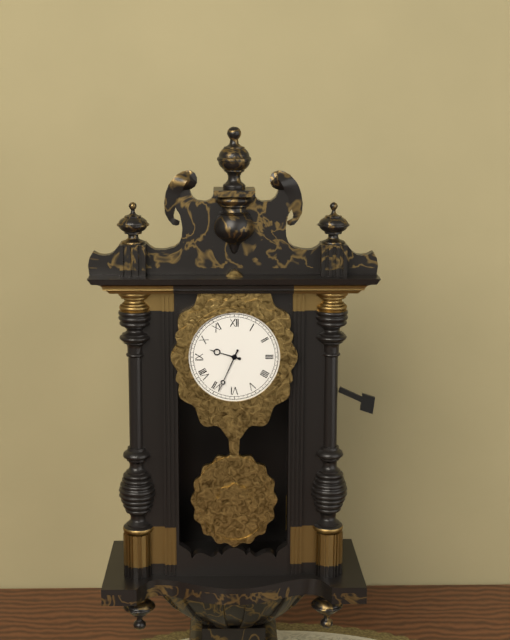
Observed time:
{"hour": 9, "minute": 34}
